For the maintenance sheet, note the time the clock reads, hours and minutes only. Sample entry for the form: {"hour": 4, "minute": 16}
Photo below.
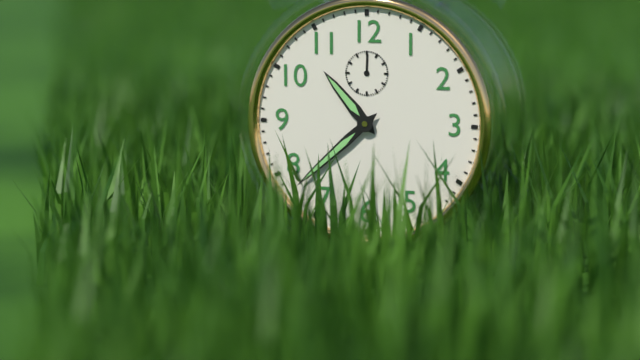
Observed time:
{"hour": 10, "minute": 38}
